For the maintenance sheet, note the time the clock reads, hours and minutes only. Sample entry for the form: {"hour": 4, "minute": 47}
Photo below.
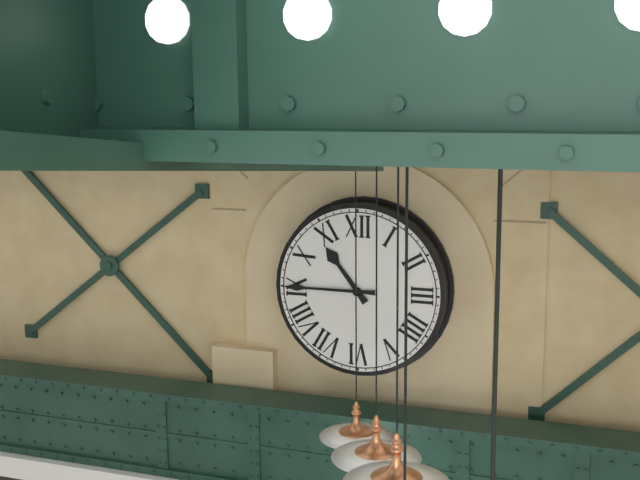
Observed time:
{"hour": 10, "minute": 45}
